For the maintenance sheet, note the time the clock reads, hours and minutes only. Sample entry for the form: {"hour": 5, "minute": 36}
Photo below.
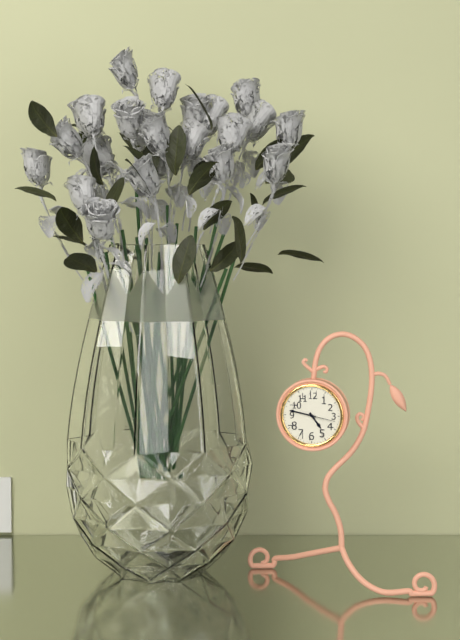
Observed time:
{"hour": 4, "minute": 47}
